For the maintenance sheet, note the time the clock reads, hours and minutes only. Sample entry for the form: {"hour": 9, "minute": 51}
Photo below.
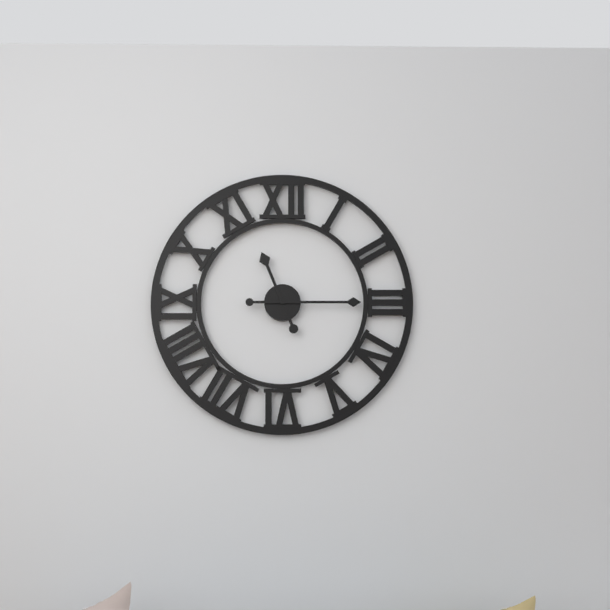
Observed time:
{"hour": 11, "minute": 15}
